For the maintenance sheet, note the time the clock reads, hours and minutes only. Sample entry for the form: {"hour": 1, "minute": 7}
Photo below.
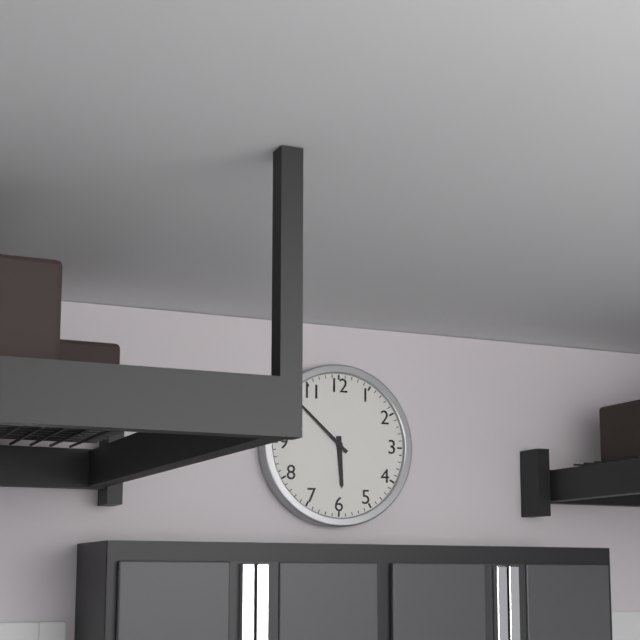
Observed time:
{"hour": 5, "minute": 52}
